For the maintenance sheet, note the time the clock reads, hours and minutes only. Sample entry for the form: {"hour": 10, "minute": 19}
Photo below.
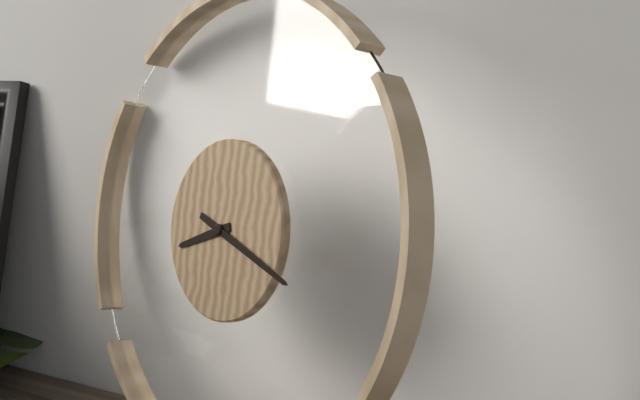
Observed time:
{"hour": 8, "minute": 18}
